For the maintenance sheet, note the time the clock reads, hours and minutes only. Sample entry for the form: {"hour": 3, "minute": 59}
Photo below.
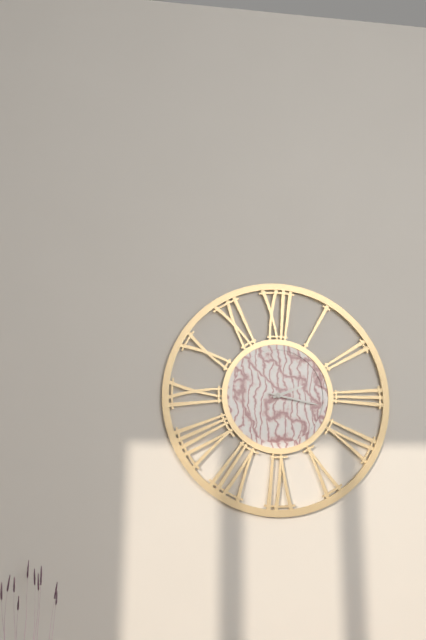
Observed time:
{"hour": 2, "minute": 17}
